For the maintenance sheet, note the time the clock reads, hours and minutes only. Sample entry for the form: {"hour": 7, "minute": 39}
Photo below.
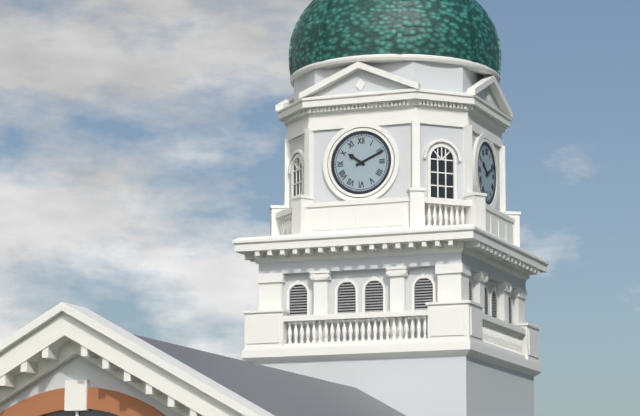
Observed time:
{"hour": 10, "minute": 11}
